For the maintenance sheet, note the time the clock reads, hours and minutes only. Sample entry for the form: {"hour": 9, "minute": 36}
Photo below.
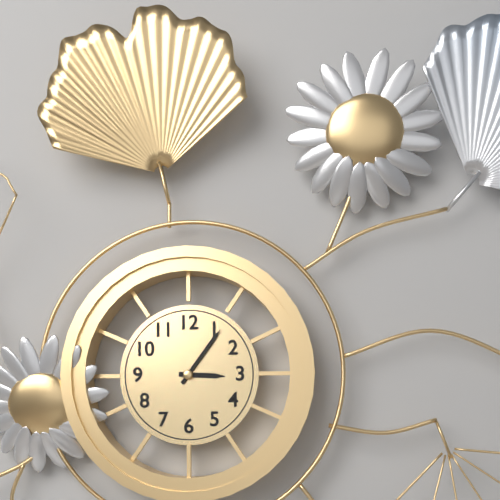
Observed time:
{"hour": 3, "minute": 6}
